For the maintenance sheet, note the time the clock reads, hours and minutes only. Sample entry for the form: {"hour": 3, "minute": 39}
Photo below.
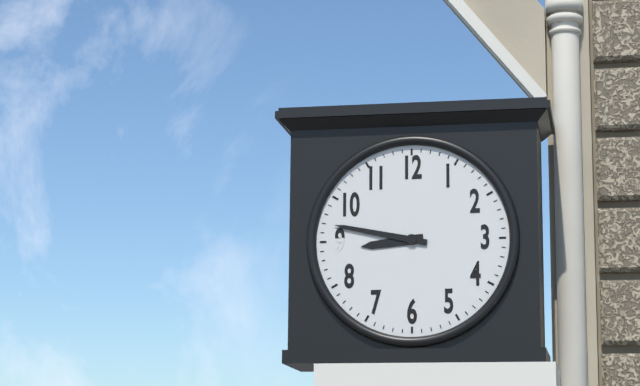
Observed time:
{"hour": 8, "minute": 47}
